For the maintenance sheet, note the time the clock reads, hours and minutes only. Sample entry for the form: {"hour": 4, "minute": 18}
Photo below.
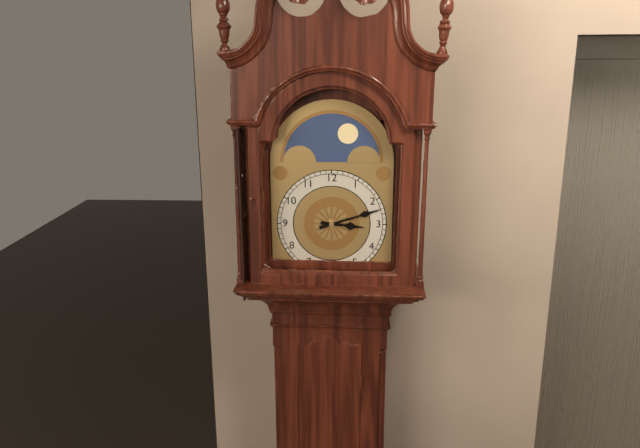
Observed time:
{"hour": 3, "minute": 12}
